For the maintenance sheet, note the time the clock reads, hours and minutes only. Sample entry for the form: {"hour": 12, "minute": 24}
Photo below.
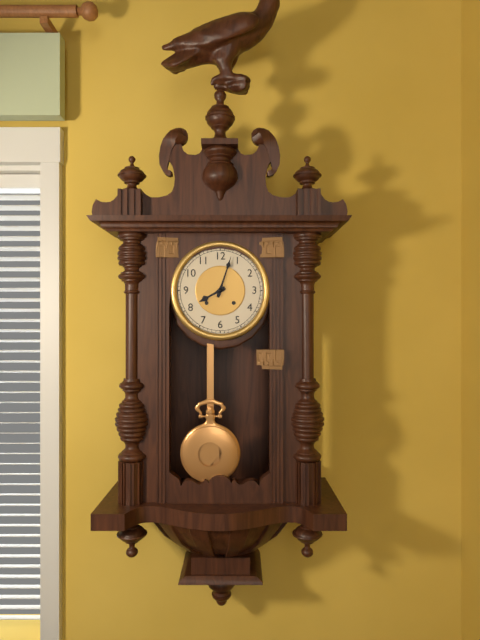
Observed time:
{"hour": 8, "minute": 3}
